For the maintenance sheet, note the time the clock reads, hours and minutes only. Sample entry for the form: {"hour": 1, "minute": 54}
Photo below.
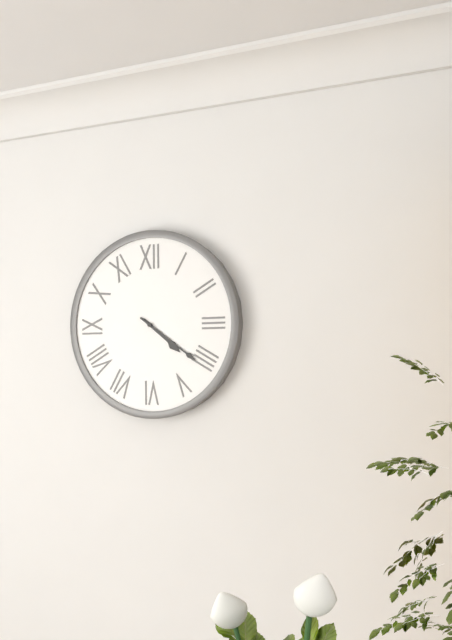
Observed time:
{"hour": 4, "minute": 21}
